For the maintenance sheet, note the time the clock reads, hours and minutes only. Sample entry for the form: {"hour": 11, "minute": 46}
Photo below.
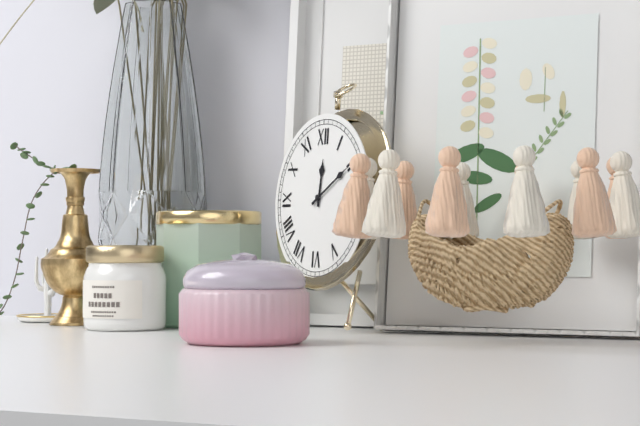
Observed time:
{"hour": 12, "minute": 10}
